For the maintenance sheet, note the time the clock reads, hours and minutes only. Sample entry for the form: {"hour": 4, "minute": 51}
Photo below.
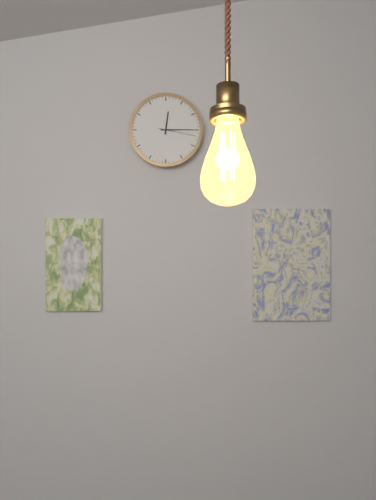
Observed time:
{"hour": 12, "minute": 15}
